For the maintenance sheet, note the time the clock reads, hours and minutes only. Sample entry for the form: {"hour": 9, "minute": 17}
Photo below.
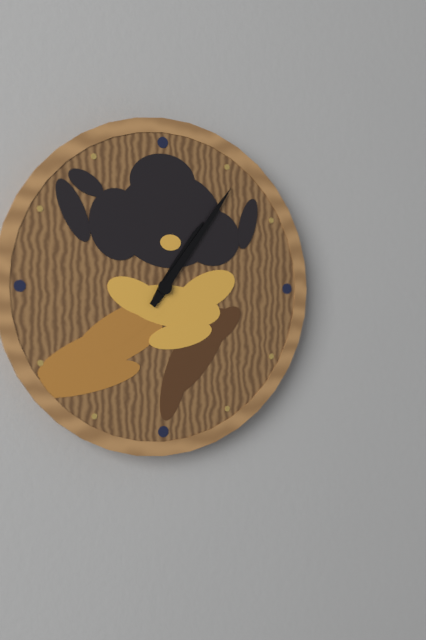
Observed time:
{"hour": 1, "minute": 6}
